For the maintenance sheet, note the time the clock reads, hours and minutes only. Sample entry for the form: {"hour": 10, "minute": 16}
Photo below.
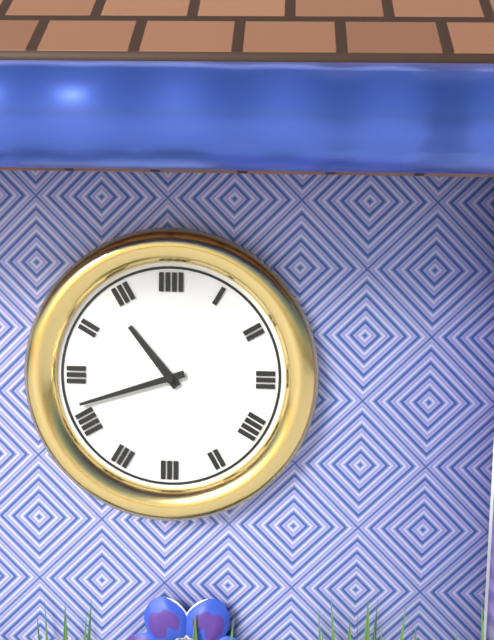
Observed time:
{"hour": 10, "minute": 42}
